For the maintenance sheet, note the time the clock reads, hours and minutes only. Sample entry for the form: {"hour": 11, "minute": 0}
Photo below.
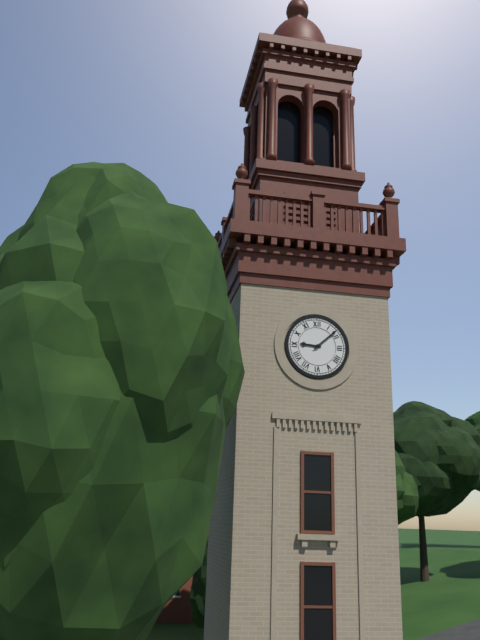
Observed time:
{"hour": 9, "minute": 8}
